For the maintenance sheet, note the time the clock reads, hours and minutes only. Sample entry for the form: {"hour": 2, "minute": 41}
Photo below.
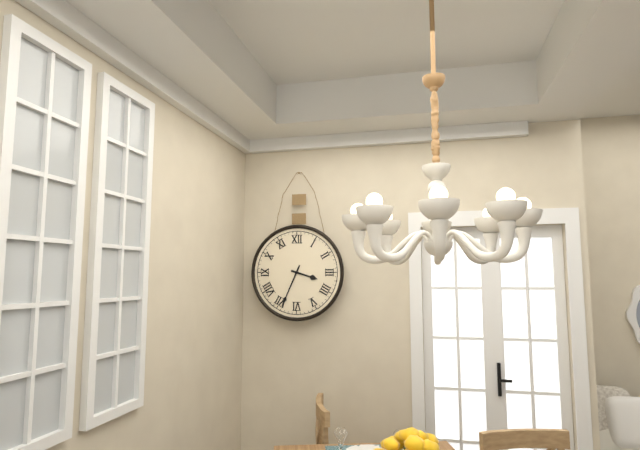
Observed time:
{"hour": 3, "minute": 34}
